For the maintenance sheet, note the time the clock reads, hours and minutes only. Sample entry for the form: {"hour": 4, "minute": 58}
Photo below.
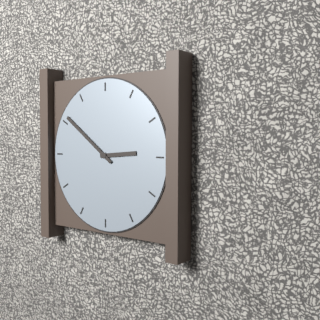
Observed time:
{"hour": 2, "minute": 51}
